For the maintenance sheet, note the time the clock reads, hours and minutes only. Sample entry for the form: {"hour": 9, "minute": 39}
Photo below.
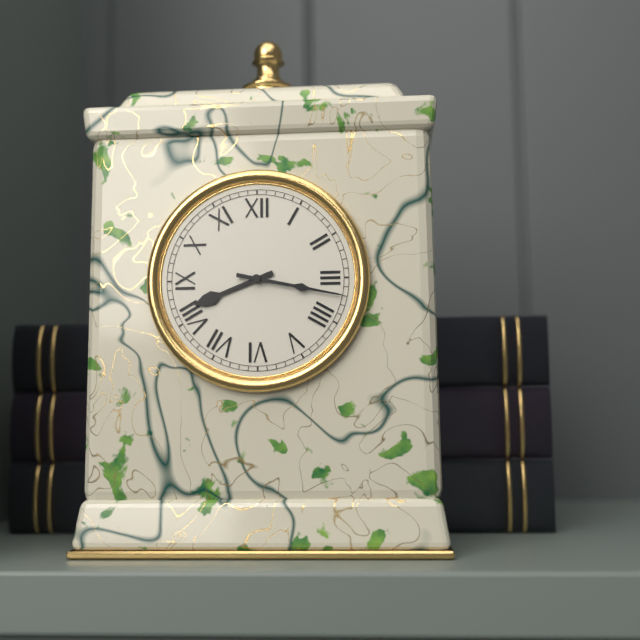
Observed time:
{"hour": 8, "minute": 17}
